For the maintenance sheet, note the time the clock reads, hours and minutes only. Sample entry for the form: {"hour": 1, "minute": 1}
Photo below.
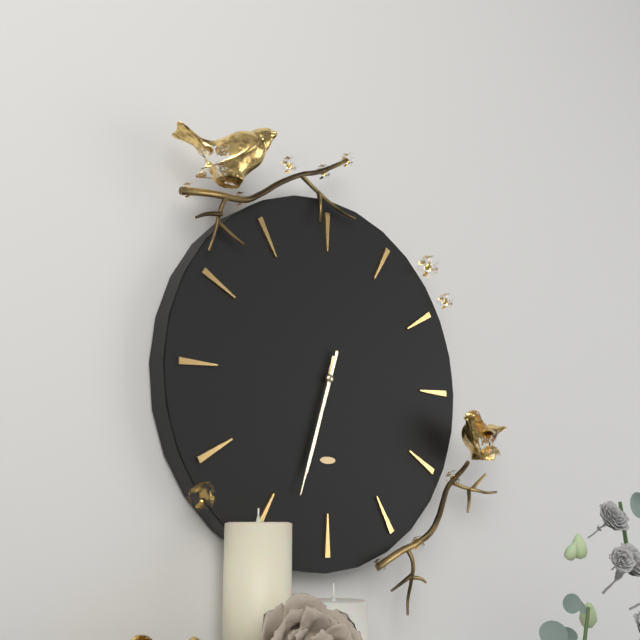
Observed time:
{"hour": 6, "minute": 33}
